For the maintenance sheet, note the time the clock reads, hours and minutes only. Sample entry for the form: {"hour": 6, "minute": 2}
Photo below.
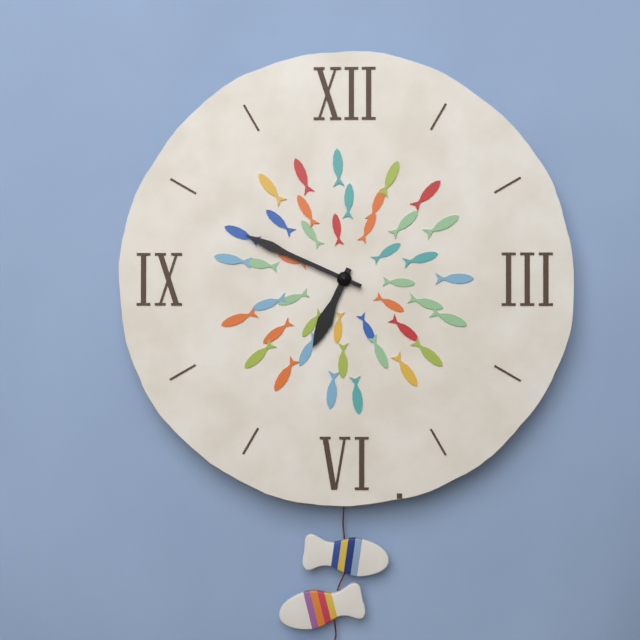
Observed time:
{"hour": 6, "minute": 49}
